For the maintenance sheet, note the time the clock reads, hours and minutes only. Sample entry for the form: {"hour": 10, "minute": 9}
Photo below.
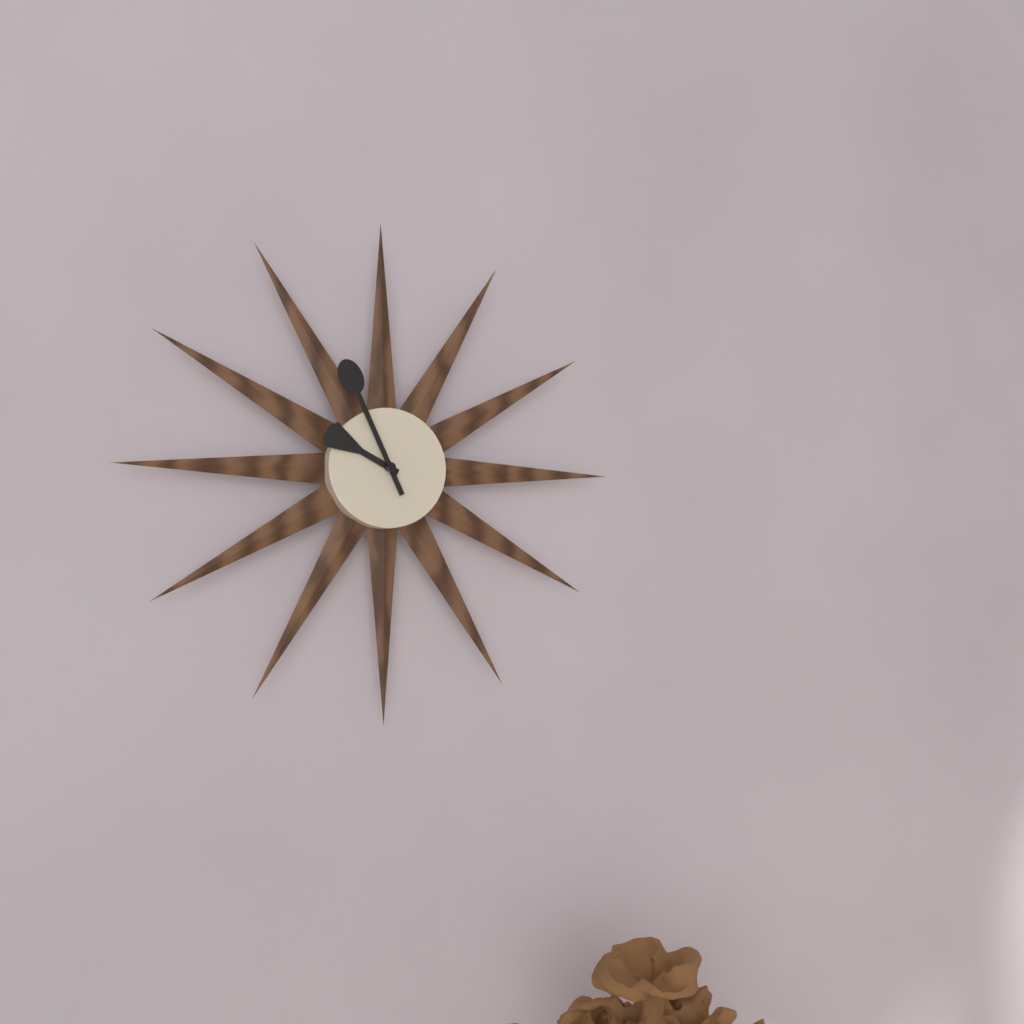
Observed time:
{"hour": 9, "minute": 56}
